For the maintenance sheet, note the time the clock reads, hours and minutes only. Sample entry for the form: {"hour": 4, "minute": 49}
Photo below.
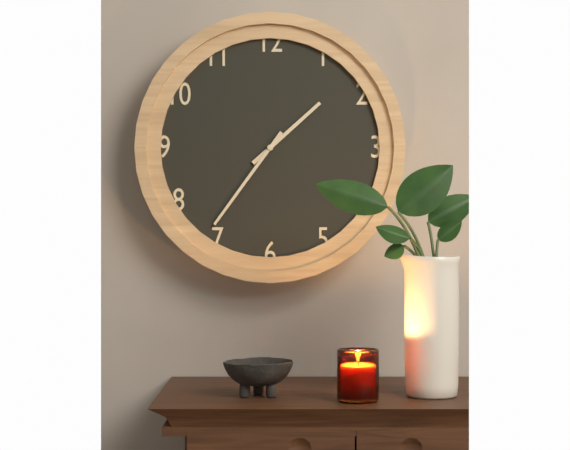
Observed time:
{"hour": 1, "minute": 36}
